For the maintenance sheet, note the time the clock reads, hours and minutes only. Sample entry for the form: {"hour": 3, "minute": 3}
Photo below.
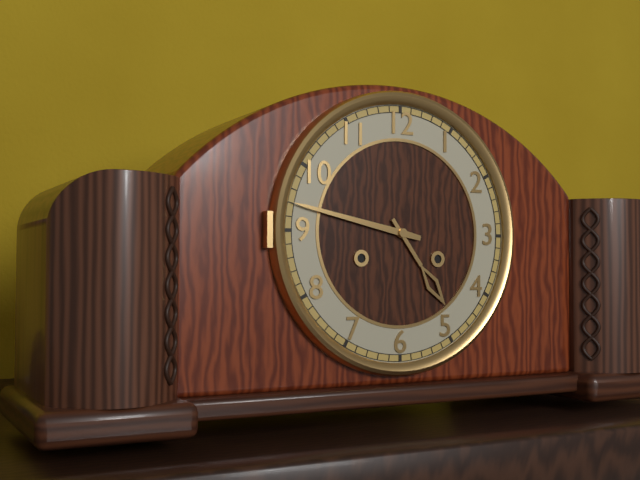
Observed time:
{"hour": 4, "minute": 47}
